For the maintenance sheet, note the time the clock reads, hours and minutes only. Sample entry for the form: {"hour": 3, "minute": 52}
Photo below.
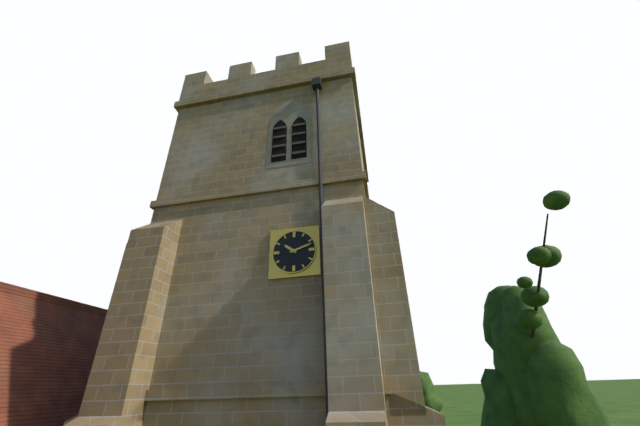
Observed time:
{"hour": 10, "minute": 12}
